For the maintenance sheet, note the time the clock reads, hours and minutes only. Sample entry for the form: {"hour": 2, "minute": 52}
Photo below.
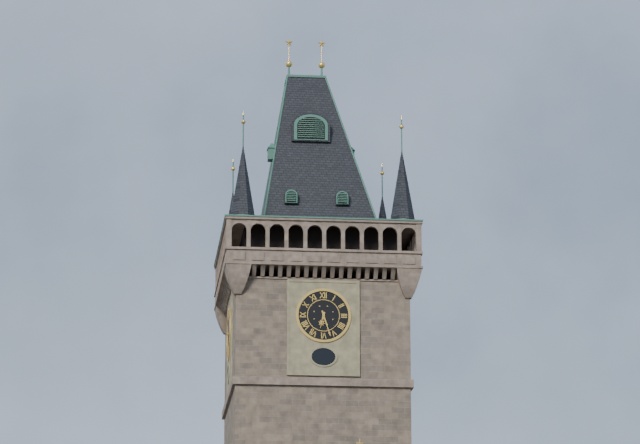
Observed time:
{"hour": 6, "minute": 27}
